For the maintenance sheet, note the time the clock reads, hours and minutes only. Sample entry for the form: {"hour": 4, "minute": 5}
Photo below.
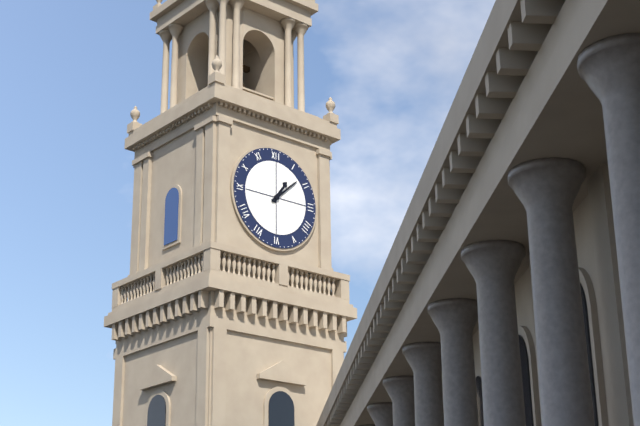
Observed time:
{"hour": 1, "minute": 8}
